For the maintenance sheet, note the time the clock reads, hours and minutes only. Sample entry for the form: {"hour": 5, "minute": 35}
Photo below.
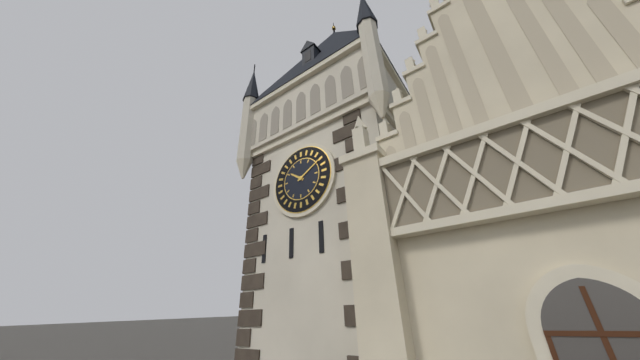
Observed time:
{"hour": 10, "minute": 10}
